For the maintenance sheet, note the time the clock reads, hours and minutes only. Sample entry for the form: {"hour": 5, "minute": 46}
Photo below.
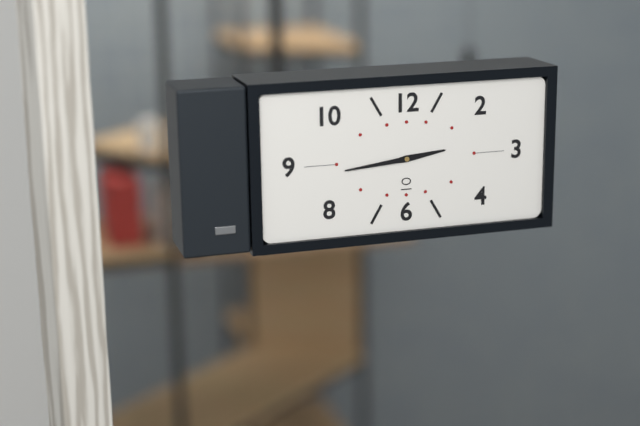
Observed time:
{"hour": 2, "minute": 44}
